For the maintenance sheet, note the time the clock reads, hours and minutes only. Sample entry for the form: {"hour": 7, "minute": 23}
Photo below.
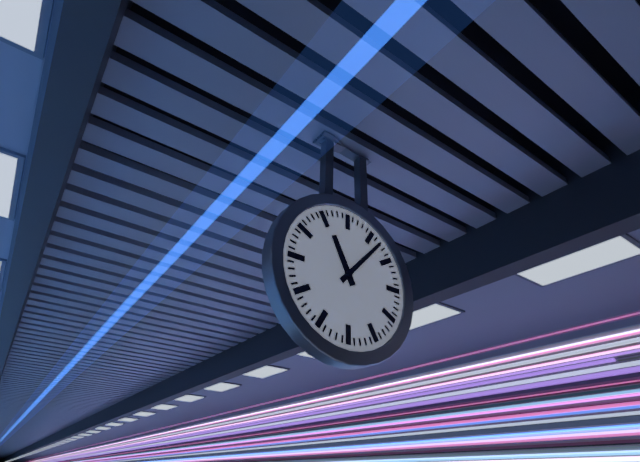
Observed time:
{"hour": 11, "minute": 7}
